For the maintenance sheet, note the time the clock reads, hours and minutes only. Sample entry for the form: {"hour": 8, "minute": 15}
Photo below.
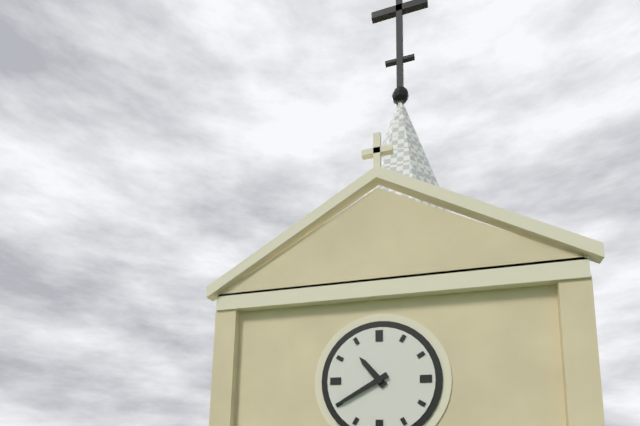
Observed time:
{"hour": 10, "minute": 40}
